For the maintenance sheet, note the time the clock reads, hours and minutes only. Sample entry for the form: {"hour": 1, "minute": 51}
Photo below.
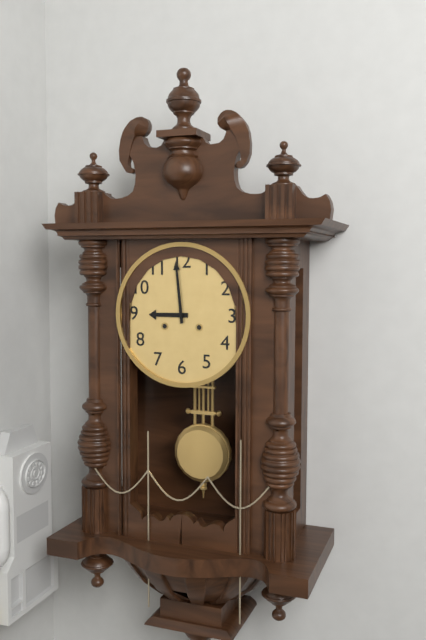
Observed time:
{"hour": 8, "minute": 59}
